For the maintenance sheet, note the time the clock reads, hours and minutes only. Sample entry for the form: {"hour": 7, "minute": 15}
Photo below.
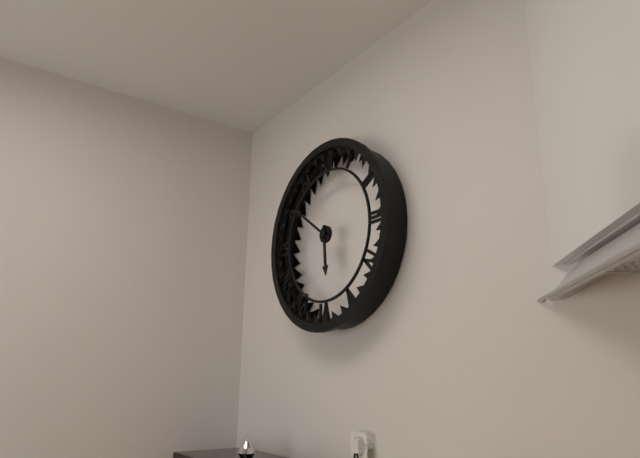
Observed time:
{"hour": 5, "minute": 51}
